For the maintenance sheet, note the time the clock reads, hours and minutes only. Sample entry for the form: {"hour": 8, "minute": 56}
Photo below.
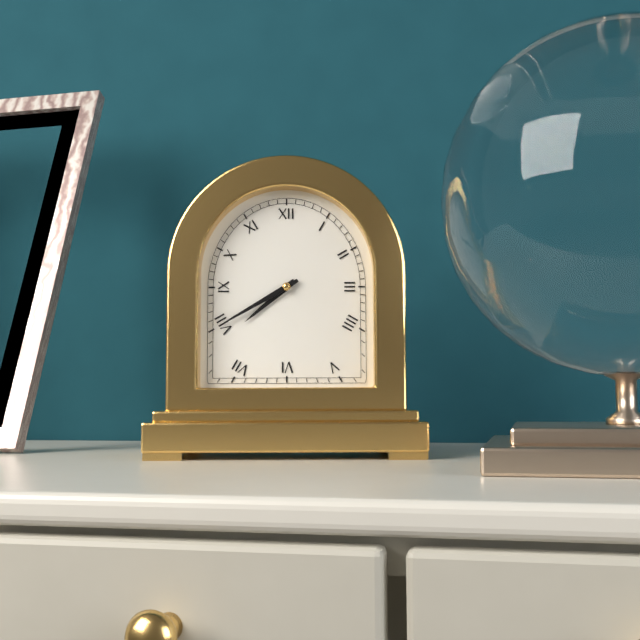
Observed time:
{"hour": 7, "minute": 40}
